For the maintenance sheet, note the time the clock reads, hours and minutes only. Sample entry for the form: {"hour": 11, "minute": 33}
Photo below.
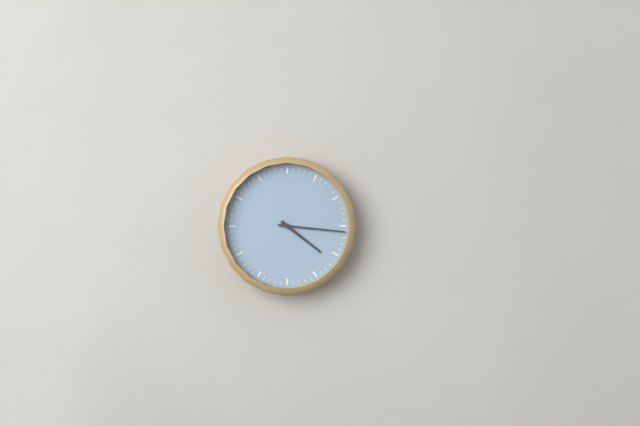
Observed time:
{"hour": 4, "minute": 16}
